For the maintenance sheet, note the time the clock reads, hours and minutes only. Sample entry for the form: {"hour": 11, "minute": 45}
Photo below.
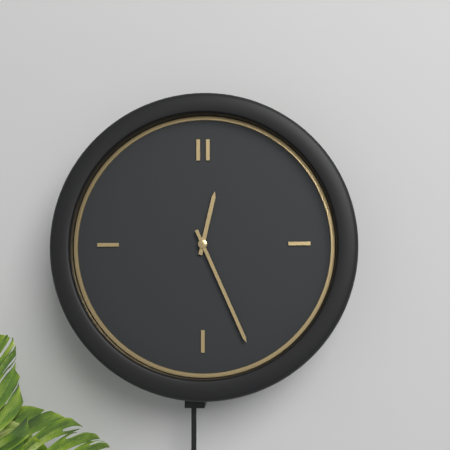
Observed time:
{"hour": 12, "minute": 26}
